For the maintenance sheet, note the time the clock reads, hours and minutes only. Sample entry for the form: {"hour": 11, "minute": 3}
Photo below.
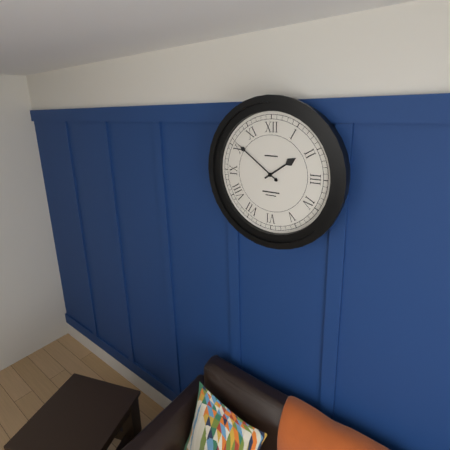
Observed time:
{"hour": 1, "minute": 51}
